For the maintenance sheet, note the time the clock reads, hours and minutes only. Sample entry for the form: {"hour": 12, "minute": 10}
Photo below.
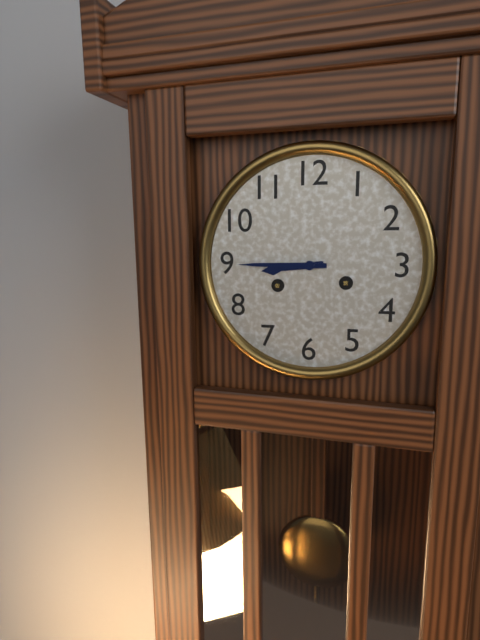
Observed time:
{"hour": 8, "minute": 45}
